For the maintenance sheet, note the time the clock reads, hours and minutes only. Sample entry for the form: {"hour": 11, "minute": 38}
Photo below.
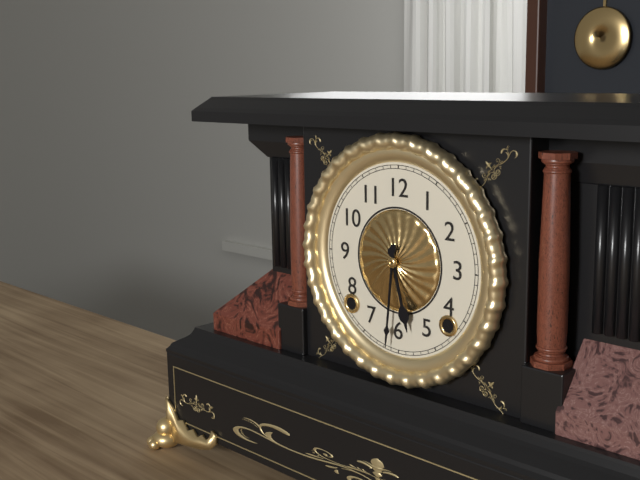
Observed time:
{"hour": 5, "minute": 31}
